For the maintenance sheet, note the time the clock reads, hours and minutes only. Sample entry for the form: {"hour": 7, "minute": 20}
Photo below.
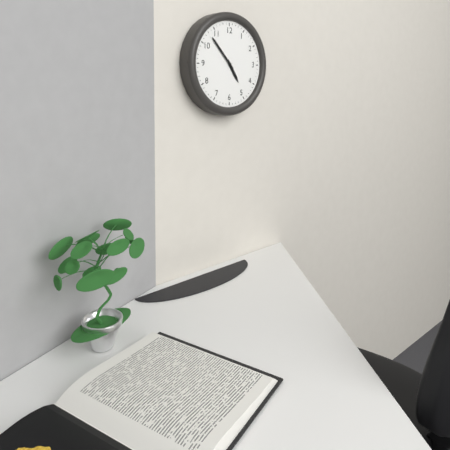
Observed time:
{"hour": 4, "minute": 53}
